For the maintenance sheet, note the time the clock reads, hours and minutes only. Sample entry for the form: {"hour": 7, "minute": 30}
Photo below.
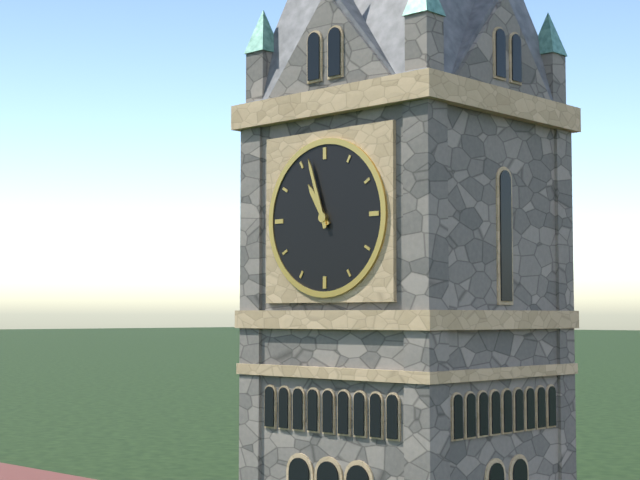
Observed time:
{"hour": 10, "minute": 57}
